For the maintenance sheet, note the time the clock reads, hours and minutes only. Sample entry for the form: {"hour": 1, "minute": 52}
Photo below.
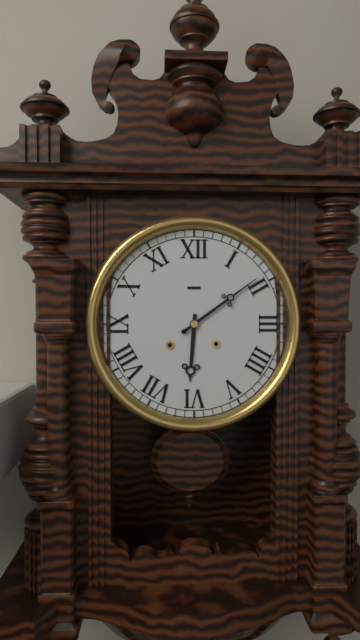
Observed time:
{"hour": 6, "minute": 9}
